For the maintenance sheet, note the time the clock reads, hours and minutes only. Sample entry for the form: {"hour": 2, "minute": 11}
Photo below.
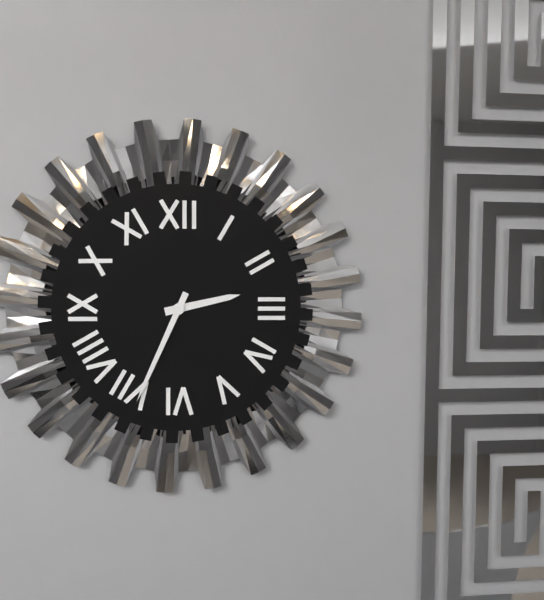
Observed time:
{"hour": 2, "minute": 34}
